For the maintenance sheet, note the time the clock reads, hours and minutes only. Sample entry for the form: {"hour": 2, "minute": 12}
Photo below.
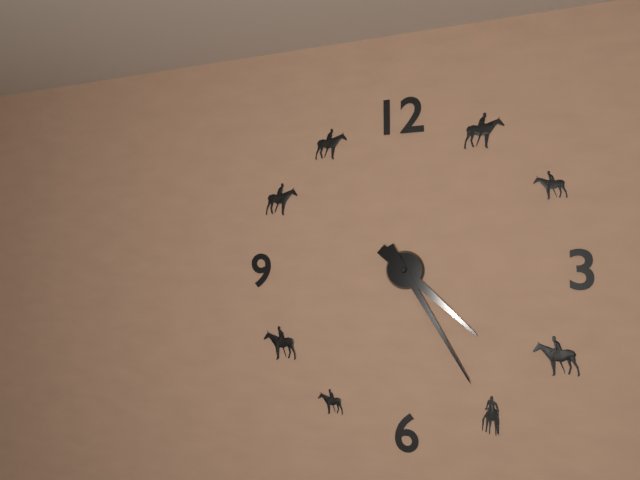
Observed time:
{"hour": 4, "minute": 25}
